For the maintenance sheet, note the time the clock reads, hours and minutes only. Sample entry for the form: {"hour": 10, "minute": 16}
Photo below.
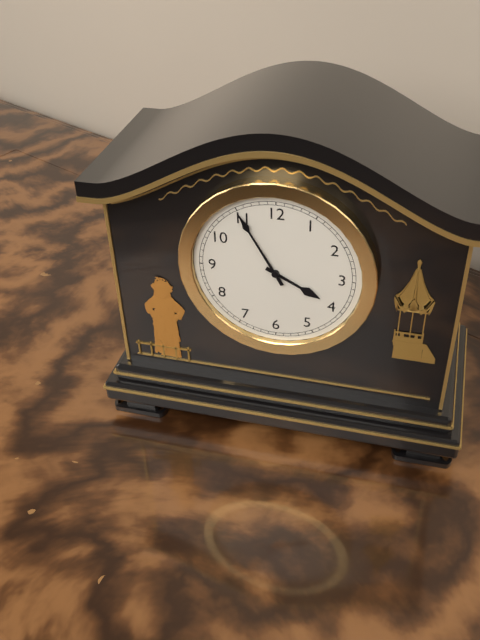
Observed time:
{"hour": 3, "minute": 55}
